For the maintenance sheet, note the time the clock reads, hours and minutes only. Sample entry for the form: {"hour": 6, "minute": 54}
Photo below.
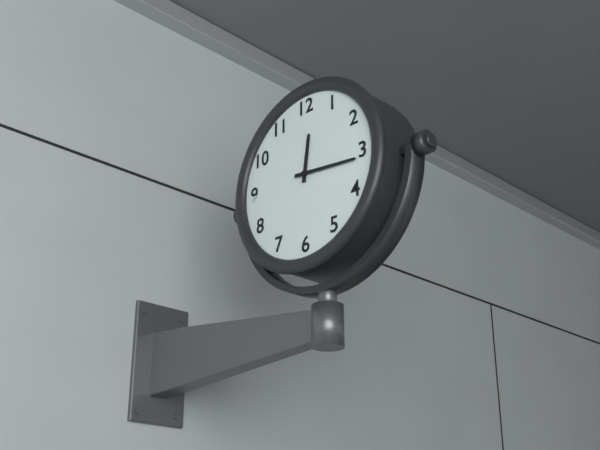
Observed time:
{"hour": 12, "minute": 16}
